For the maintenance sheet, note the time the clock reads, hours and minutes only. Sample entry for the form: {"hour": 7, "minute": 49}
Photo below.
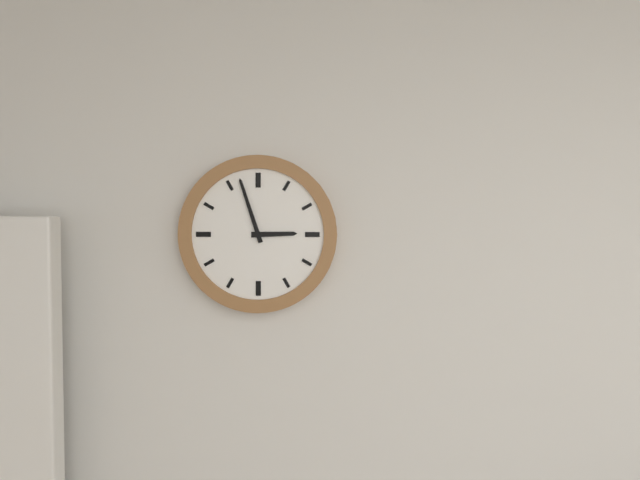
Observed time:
{"hour": 2, "minute": 57}
